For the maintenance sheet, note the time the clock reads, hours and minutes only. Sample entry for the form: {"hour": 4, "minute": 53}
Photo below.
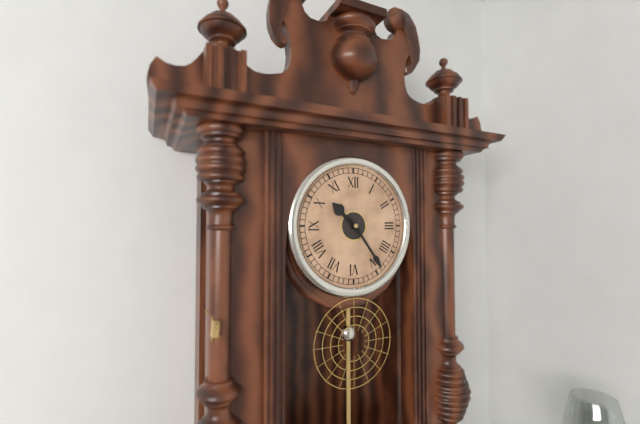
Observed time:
{"hour": 10, "minute": 24}
